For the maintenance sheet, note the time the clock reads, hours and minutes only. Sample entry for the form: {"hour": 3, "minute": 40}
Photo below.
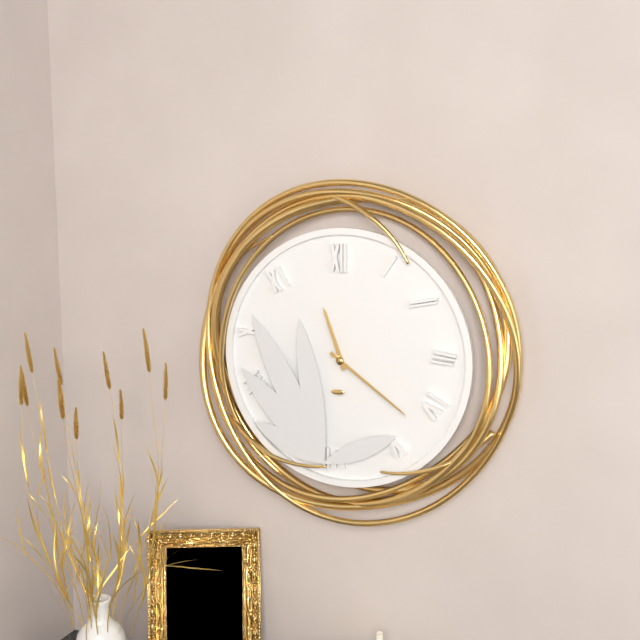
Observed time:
{"hour": 11, "minute": 21}
